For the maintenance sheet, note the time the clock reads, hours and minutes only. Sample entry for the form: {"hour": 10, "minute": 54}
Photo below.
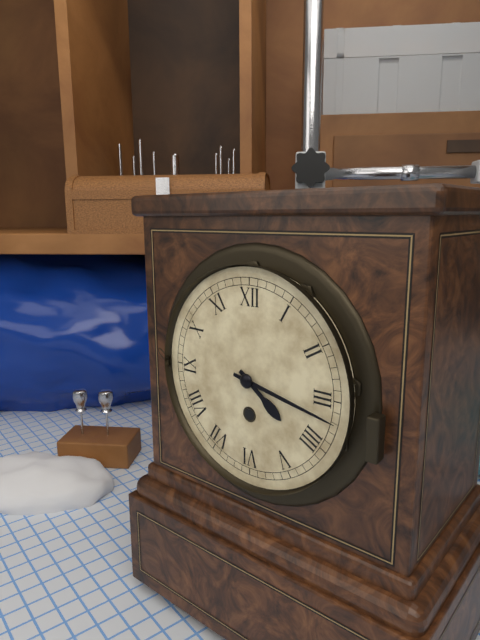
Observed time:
{"hour": 4, "minute": 17}
